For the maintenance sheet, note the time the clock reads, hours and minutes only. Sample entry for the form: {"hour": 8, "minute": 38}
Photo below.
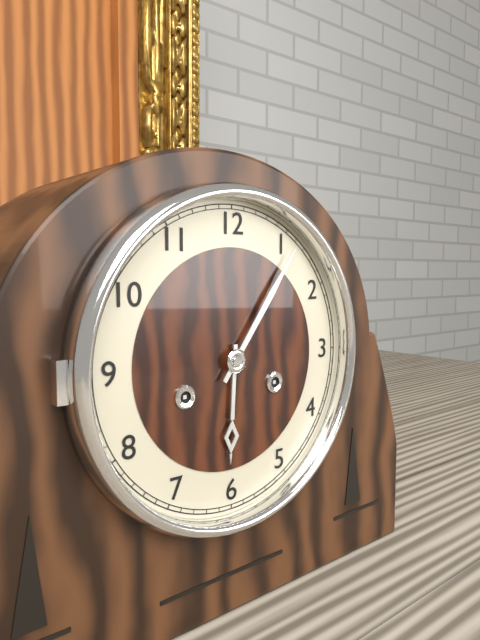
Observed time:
{"hour": 6, "minute": 6}
